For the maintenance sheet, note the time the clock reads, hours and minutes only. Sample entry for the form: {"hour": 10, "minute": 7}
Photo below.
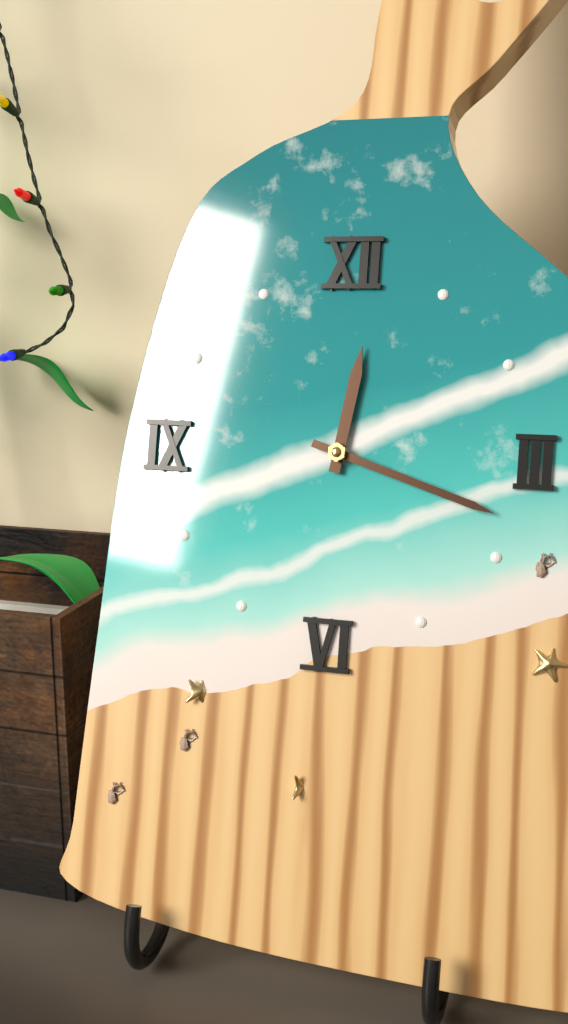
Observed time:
{"hour": 12, "minute": 18}
